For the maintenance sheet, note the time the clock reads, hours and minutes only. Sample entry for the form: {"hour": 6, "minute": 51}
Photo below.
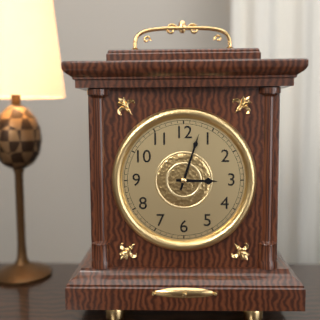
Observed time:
{"hour": 3, "minute": 3}
